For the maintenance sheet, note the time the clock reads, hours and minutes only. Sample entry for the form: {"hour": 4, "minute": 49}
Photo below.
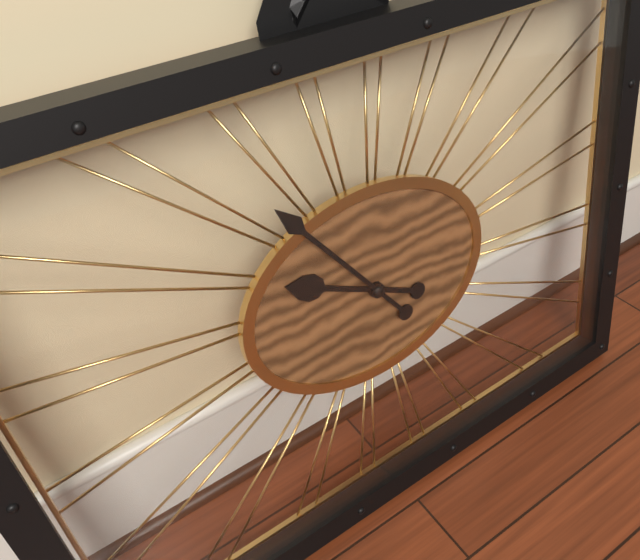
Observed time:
{"hour": 9, "minute": 54}
